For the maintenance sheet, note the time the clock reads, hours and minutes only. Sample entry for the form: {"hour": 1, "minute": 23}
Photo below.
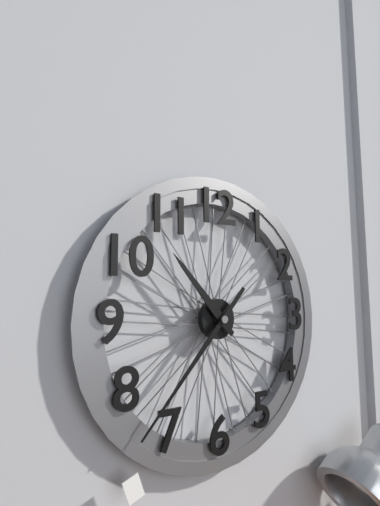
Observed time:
{"hour": 10, "minute": 37}
